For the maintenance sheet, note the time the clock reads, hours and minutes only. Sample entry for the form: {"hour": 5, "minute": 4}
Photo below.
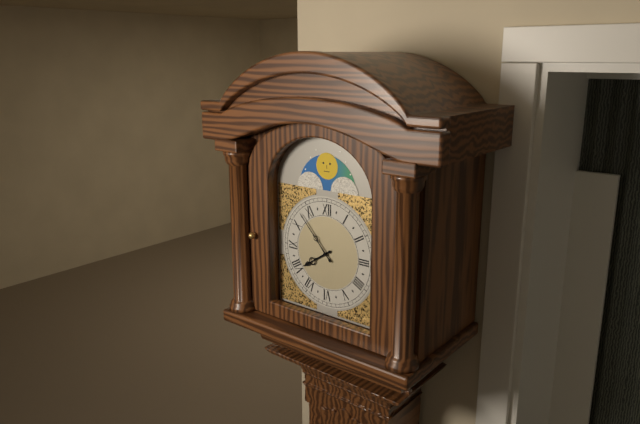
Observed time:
{"hour": 7, "minute": 53}
